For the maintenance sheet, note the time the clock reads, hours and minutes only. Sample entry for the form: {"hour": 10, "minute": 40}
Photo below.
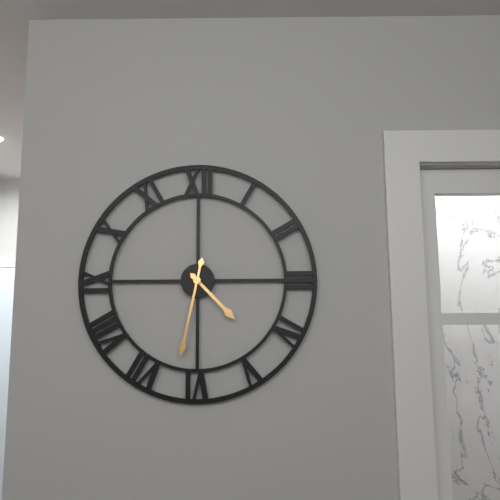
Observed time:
{"hour": 4, "minute": 32}
